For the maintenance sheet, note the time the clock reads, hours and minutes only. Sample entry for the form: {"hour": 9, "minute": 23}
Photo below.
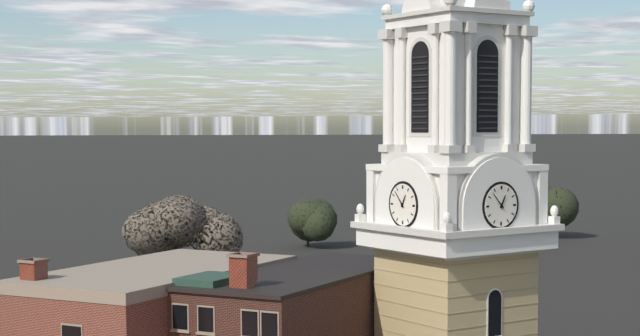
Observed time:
{"hour": 12, "minute": 53}
